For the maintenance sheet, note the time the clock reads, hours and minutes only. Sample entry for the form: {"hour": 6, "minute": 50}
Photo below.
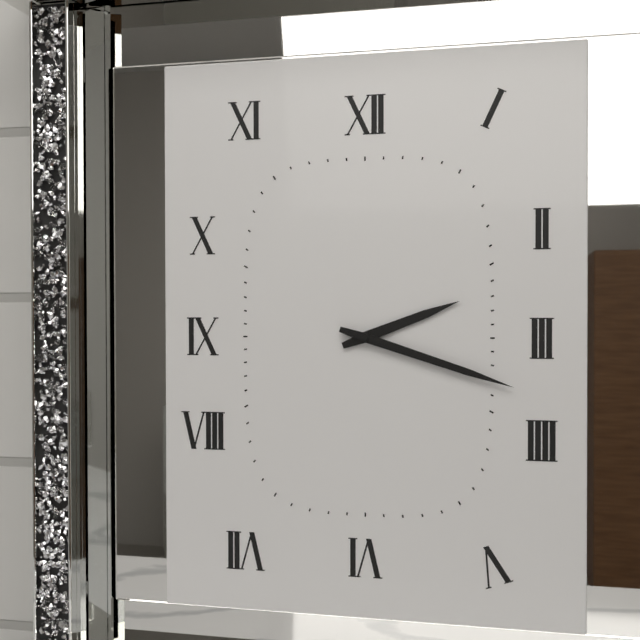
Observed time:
{"hour": 2, "minute": 18}
